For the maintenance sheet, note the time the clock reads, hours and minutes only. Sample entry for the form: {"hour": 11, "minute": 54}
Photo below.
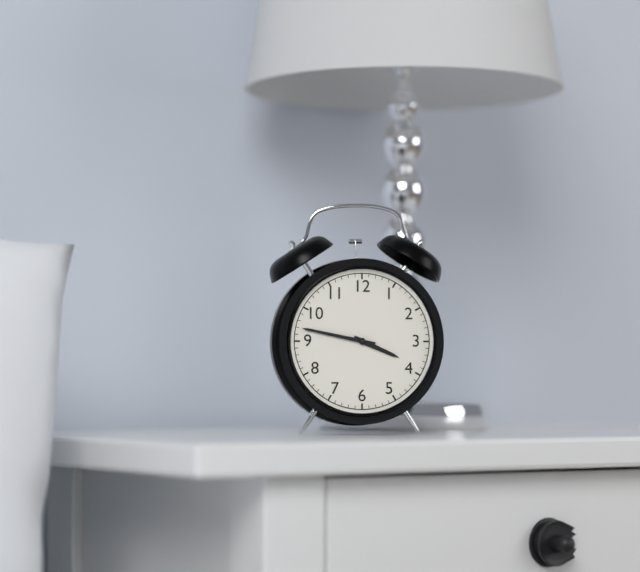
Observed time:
{"hour": 3, "minute": 47}
